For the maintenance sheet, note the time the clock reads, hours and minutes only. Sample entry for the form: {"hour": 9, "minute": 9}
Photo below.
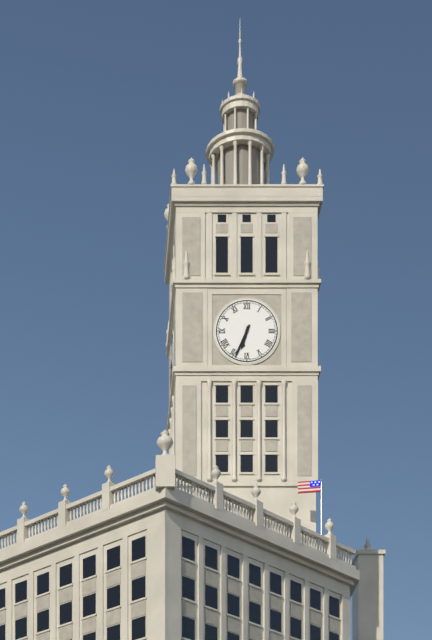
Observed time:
{"hour": 6, "minute": 34}
